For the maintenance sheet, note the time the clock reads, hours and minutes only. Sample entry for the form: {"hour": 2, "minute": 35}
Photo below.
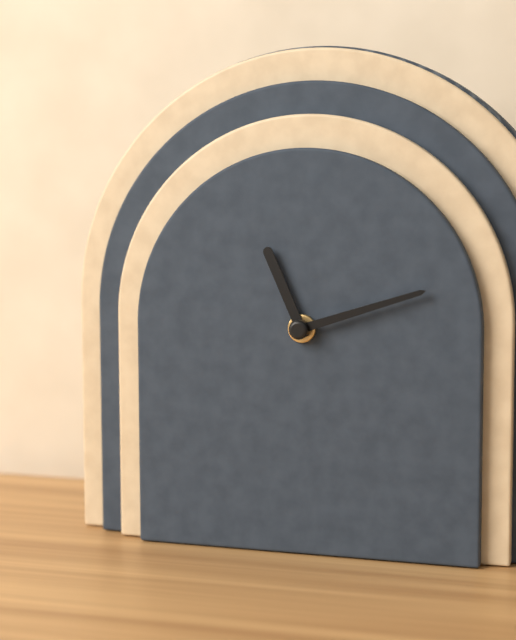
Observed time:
{"hour": 11, "minute": 12}
